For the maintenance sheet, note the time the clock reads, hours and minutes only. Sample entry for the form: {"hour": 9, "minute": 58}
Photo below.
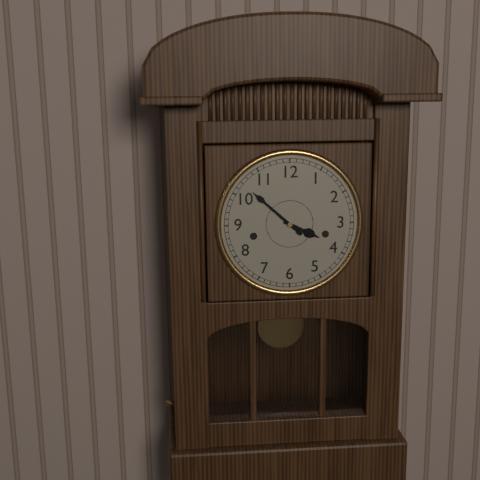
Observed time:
{"hour": 3, "minute": 52}
